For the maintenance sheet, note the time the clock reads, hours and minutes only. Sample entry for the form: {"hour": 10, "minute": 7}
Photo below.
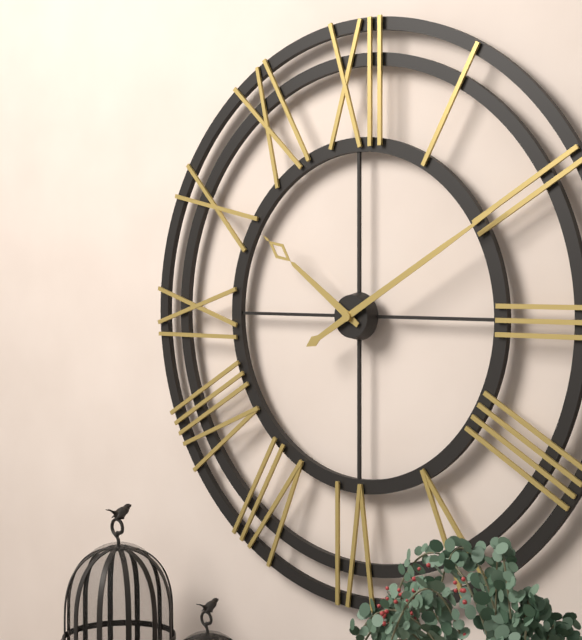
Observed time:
{"hour": 10, "minute": 10}
